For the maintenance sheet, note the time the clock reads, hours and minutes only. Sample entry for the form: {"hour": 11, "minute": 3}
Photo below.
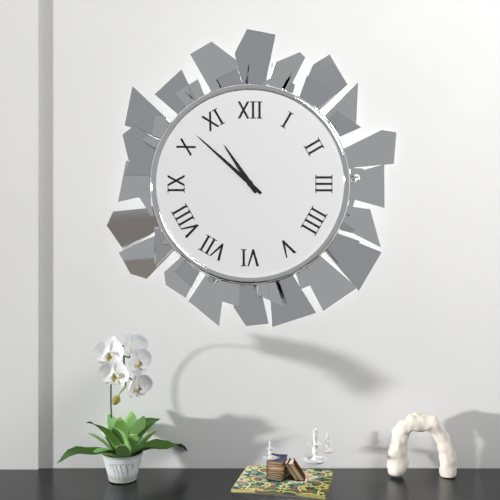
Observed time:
{"hour": 10, "minute": 52}
